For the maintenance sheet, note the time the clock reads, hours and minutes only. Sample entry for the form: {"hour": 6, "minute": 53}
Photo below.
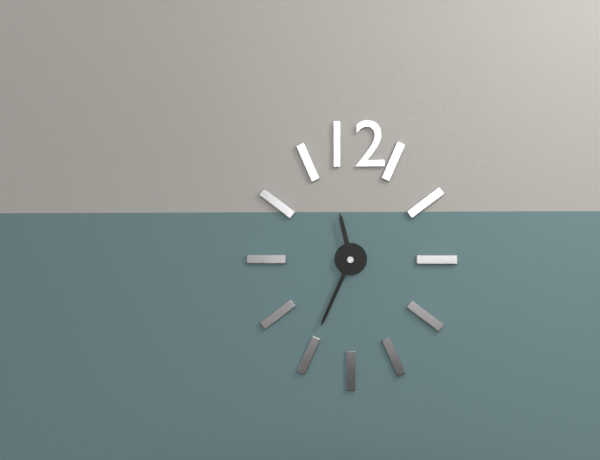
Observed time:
{"hour": 11, "minute": 34}
